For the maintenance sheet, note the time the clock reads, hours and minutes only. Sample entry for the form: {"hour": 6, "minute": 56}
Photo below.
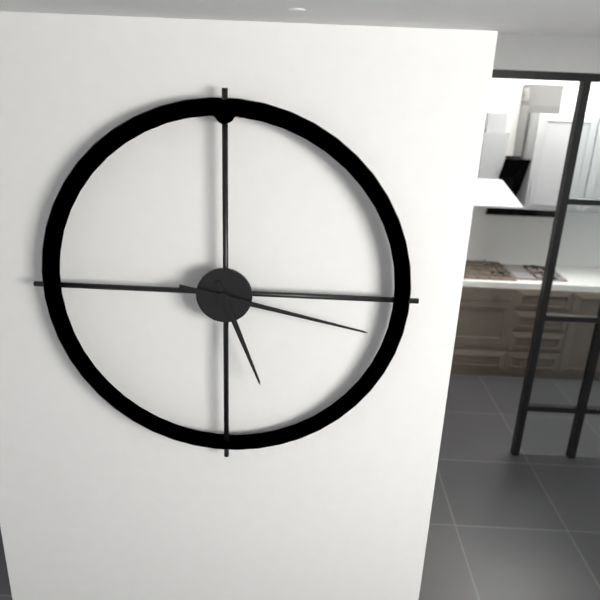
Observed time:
{"hour": 5, "minute": 17}
